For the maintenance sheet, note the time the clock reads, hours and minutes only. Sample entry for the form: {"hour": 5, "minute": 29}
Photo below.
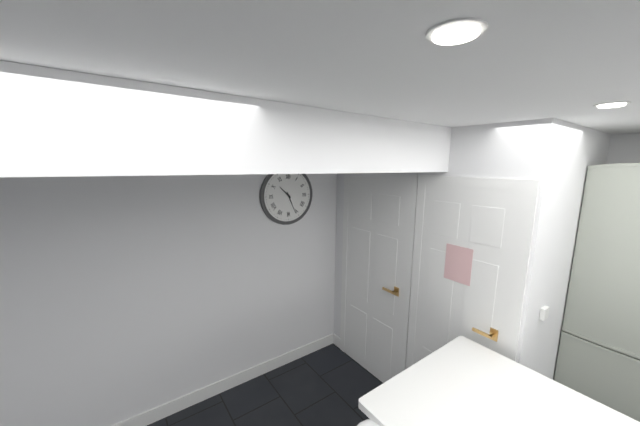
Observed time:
{"hour": 10, "minute": 26}
